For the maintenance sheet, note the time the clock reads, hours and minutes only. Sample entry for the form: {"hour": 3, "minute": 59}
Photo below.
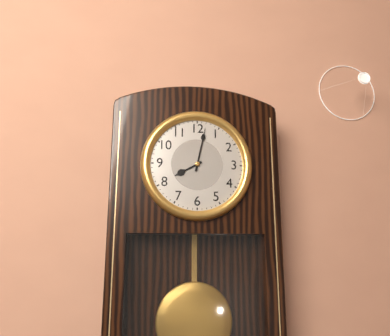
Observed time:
{"hour": 8, "minute": 2}
